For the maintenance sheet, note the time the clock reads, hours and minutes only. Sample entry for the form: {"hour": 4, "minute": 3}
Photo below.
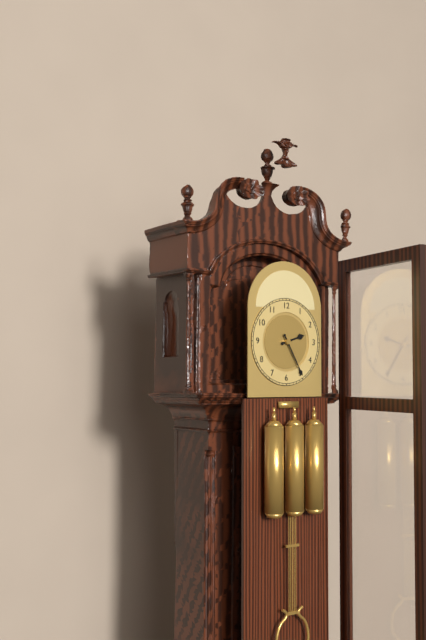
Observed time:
{"hour": 2, "minute": 25}
